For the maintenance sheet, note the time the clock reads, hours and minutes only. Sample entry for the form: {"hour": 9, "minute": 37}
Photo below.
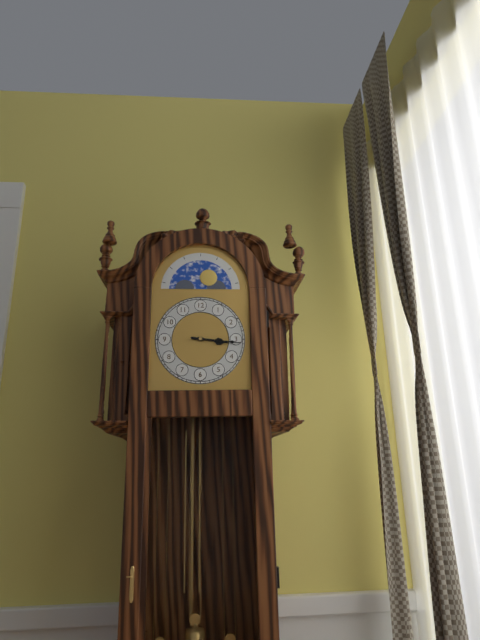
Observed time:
{"hour": 3, "minute": 16}
